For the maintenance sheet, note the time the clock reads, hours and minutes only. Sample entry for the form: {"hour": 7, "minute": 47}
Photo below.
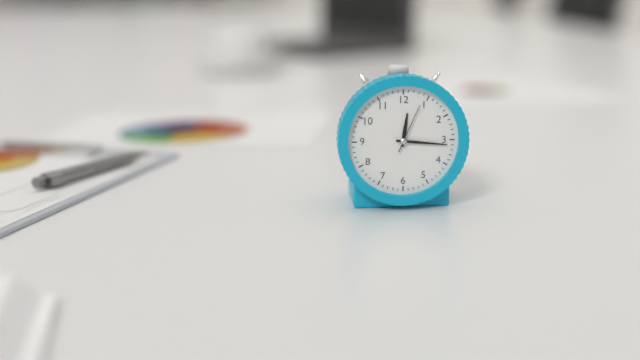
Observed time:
{"hour": 12, "minute": 16}
